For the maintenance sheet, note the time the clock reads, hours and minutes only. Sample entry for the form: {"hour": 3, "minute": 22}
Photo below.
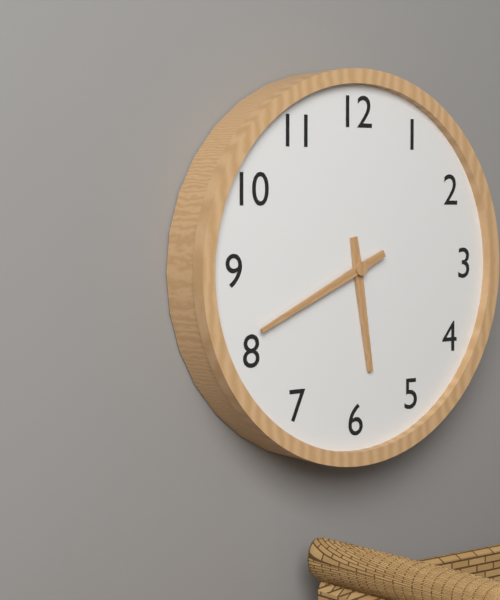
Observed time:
{"hour": 5, "minute": 41}
